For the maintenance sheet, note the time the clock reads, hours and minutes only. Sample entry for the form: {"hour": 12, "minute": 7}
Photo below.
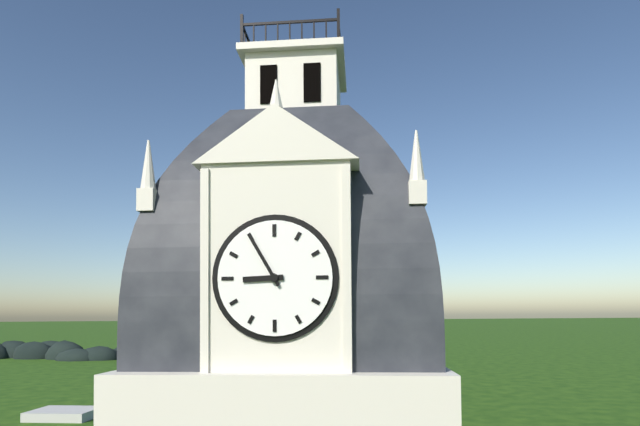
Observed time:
{"hour": 8, "minute": 55}
